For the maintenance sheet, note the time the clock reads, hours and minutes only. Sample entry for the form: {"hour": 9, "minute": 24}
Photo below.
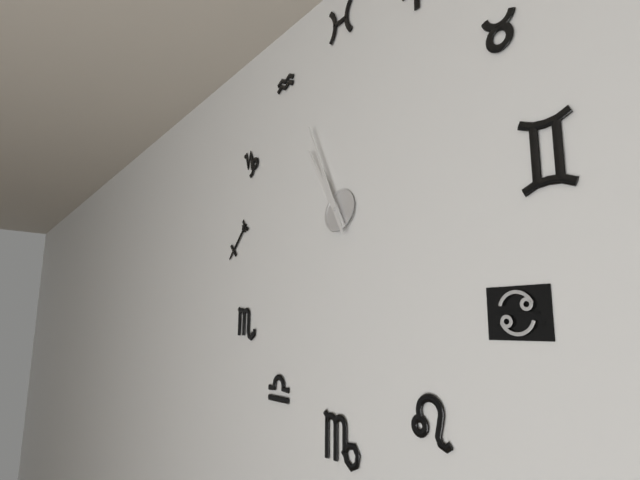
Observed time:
{"hour": 10, "minute": 56}
